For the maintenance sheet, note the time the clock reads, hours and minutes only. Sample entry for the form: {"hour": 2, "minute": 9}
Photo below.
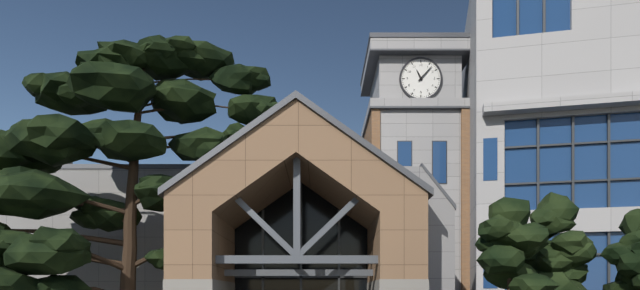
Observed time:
{"hour": 11, "minute": 7}
